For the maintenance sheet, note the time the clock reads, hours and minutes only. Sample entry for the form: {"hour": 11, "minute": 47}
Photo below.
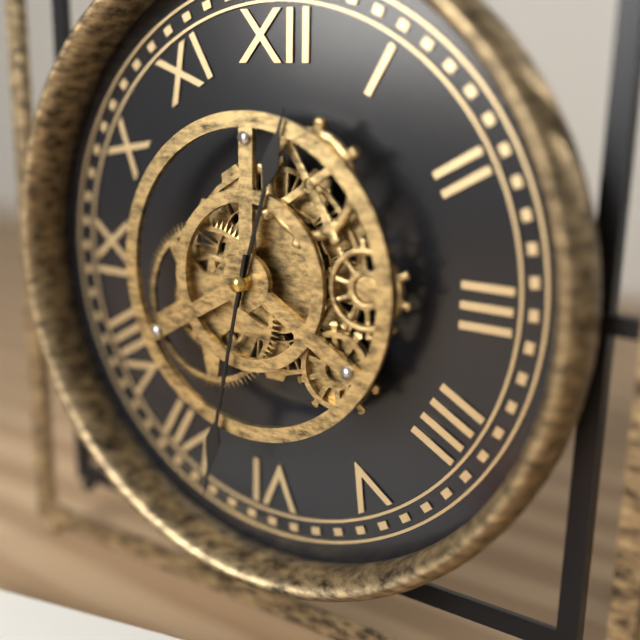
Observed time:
{"hour": 12, "minute": 32}
